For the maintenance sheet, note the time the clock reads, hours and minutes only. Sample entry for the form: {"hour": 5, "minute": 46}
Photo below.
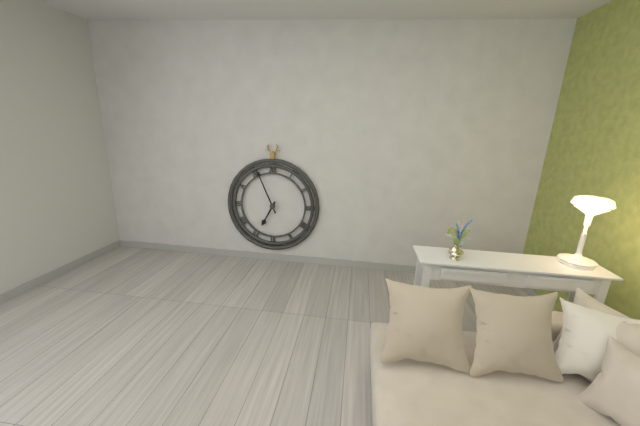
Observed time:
{"hour": 6, "minute": 56}
